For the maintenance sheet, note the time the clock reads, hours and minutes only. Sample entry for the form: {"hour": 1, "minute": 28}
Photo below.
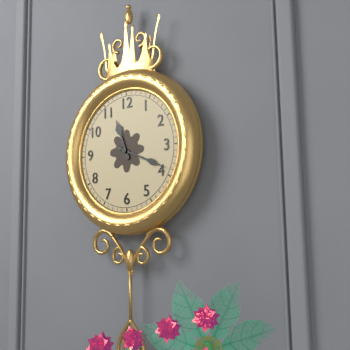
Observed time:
{"hour": 11, "minute": 19}
